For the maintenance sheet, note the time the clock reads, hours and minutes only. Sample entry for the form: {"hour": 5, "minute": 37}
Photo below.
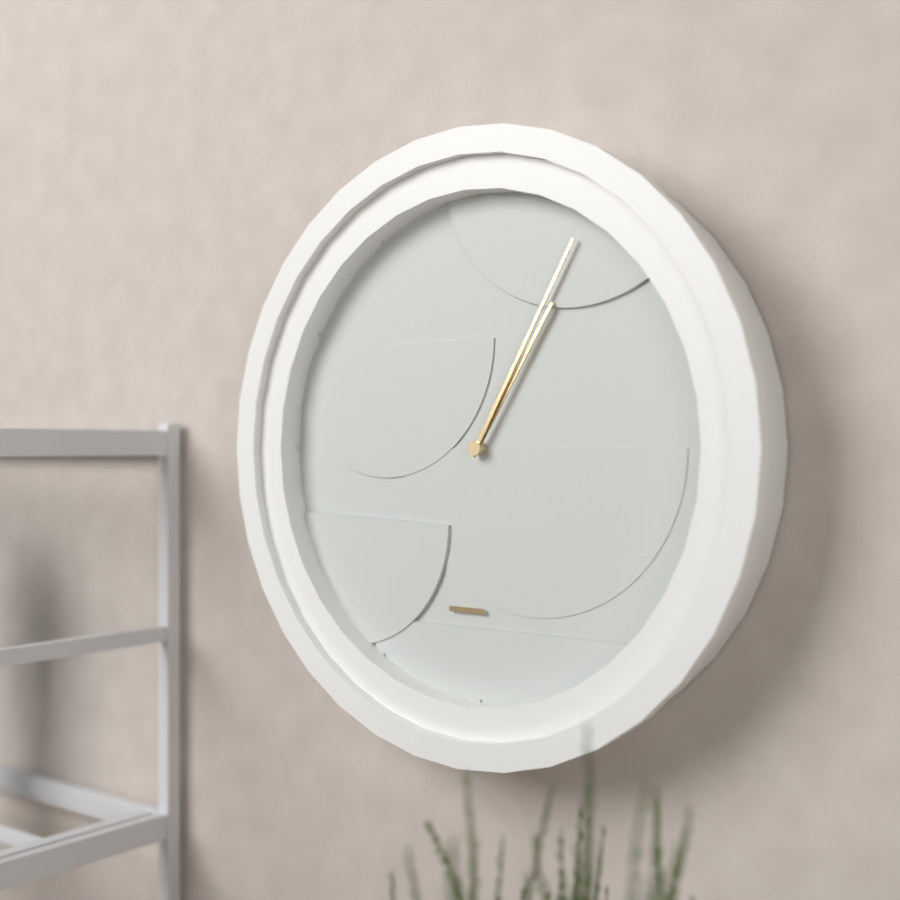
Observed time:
{"hour": 1, "minute": 5}
